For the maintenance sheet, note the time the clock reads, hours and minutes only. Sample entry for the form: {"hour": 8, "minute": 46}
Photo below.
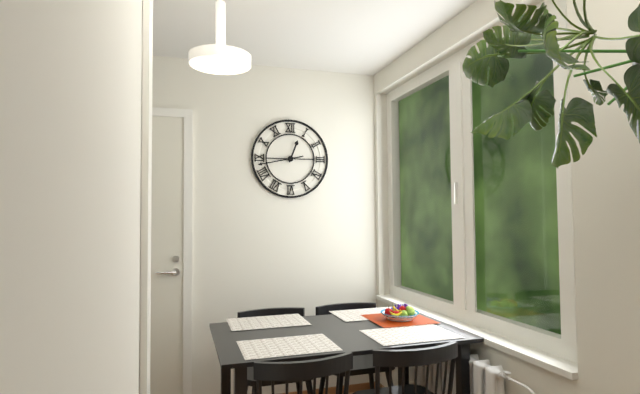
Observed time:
{"hour": 12, "minute": 43}
